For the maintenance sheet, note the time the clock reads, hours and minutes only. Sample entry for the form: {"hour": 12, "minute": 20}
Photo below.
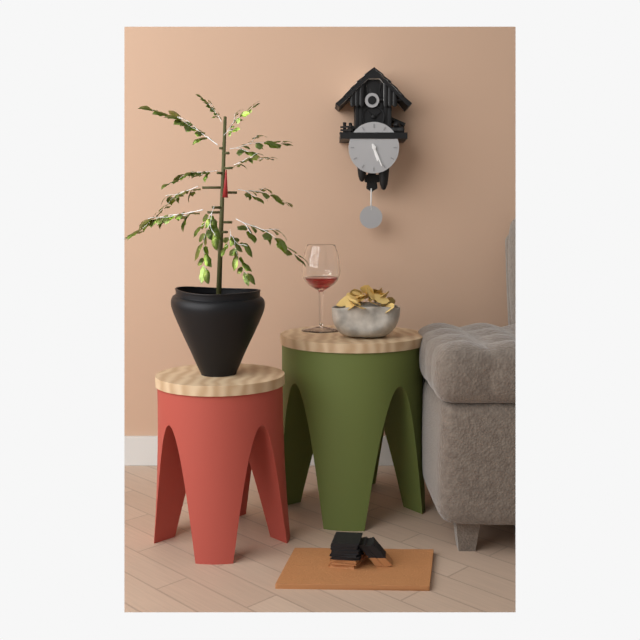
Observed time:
{"hour": 5, "minute": 26}
